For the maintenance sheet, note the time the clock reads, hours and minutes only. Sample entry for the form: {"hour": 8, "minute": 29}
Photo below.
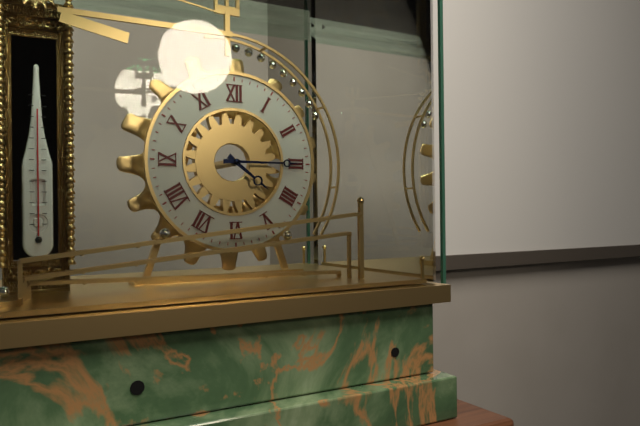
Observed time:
{"hour": 4, "minute": 15}
